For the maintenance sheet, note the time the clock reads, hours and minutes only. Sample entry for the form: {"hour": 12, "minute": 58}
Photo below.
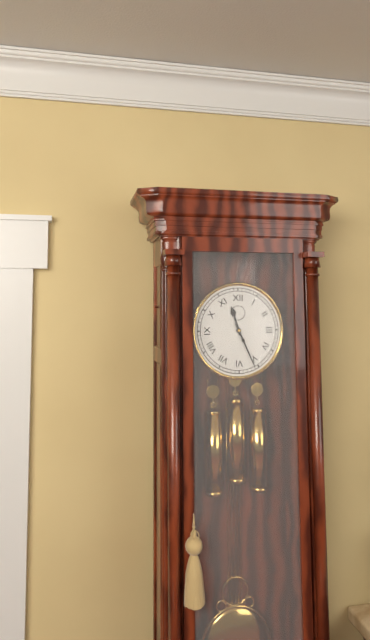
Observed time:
{"hour": 11, "minute": 26}
